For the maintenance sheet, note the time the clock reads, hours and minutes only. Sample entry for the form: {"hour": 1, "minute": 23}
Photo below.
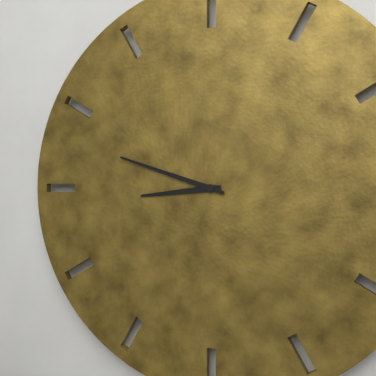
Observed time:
{"hour": 8, "minute": 48}
